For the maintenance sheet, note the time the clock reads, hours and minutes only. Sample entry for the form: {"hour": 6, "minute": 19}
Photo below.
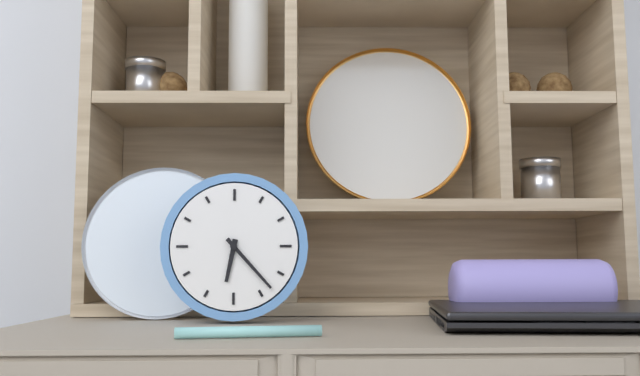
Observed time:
{"hour": 6, "minute": 23}
